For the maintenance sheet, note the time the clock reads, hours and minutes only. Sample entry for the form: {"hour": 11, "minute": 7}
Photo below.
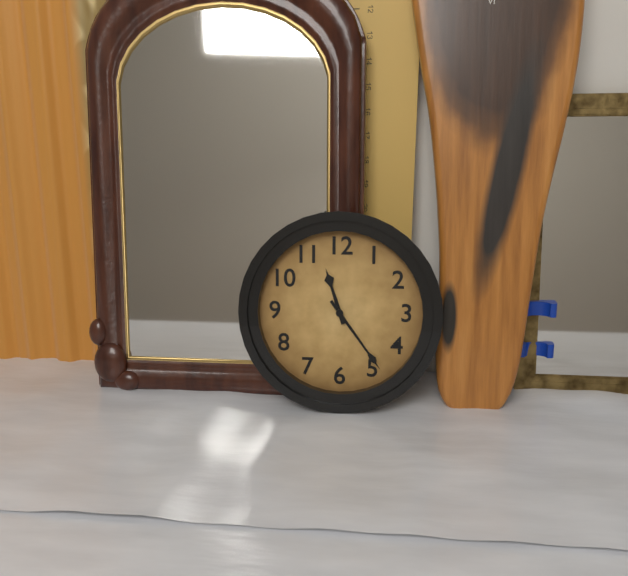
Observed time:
{"hour": 11, "minute": 24}
